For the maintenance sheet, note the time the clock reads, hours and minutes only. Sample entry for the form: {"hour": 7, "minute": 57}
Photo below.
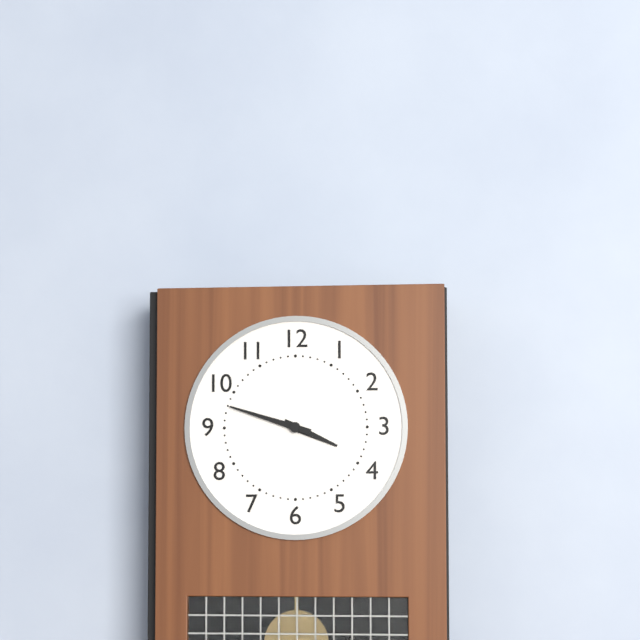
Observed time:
{"hour": 3, "minute": 48}
